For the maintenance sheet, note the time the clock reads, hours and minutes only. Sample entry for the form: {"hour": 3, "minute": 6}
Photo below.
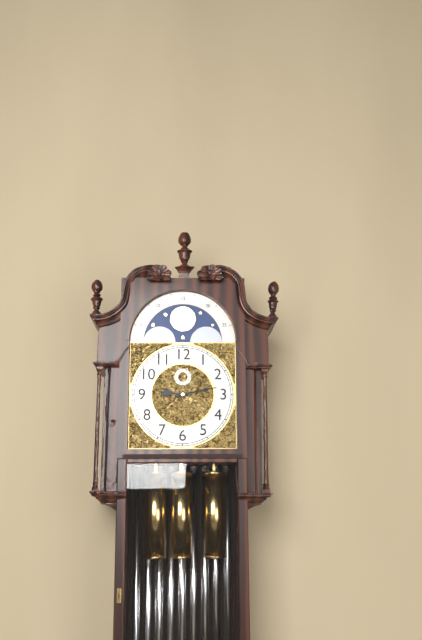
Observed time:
{"hour": 9, "minute": 13}
